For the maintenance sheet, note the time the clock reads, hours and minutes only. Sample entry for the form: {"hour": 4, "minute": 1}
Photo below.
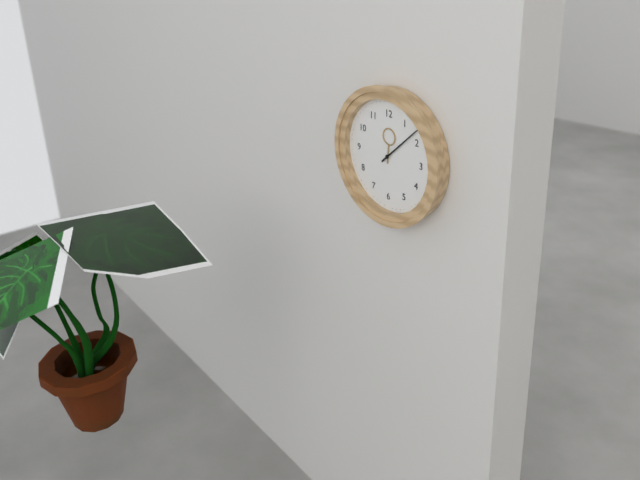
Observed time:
{"hour": 12, "minute": 8}
